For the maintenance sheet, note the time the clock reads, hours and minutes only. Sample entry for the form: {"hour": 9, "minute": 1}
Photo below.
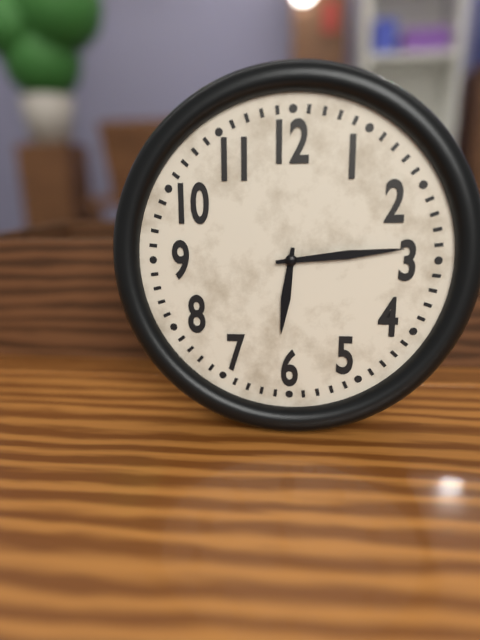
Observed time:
{"hour": 6, "minute": 14}
